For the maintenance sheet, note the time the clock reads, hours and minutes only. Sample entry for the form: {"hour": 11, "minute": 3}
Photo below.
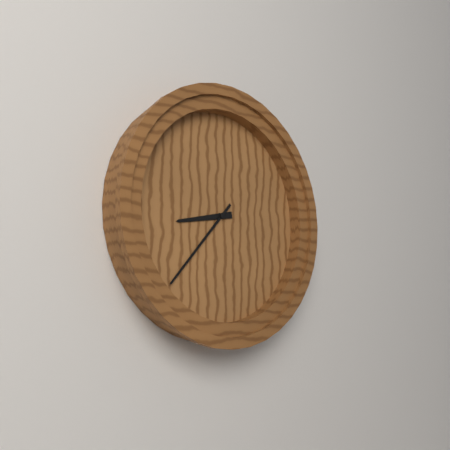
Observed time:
{"hour": 8, "minute": 37}
